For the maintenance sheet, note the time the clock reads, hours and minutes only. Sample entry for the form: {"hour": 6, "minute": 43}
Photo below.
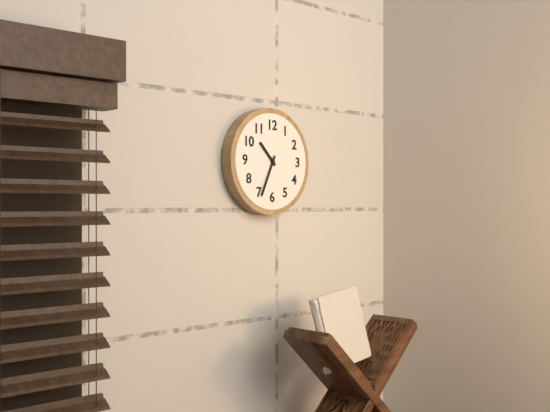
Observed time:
{"hour": 10, "minute": 34}
